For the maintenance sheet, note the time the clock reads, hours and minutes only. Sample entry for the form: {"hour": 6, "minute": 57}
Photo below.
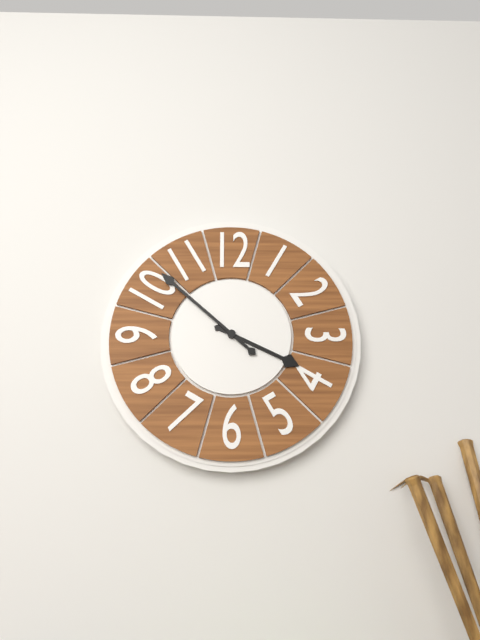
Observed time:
{"hour": 3, "minute": 52}
